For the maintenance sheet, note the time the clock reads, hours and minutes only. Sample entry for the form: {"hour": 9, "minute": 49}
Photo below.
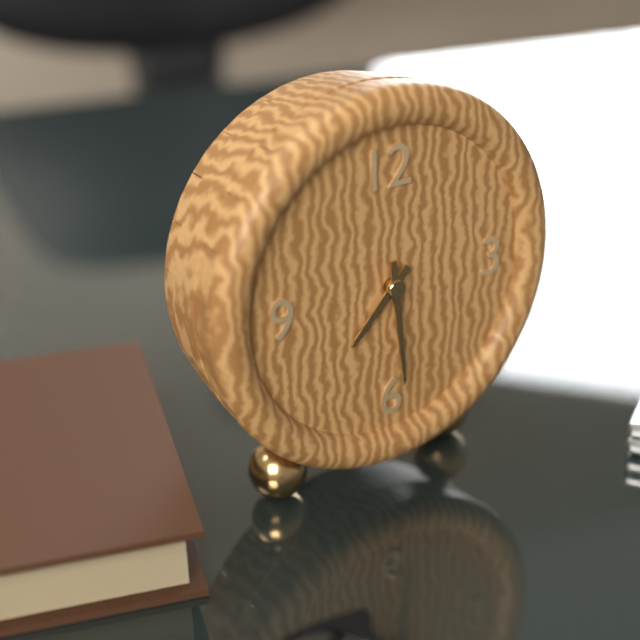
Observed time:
{"hour": 7, "minute": 29}
